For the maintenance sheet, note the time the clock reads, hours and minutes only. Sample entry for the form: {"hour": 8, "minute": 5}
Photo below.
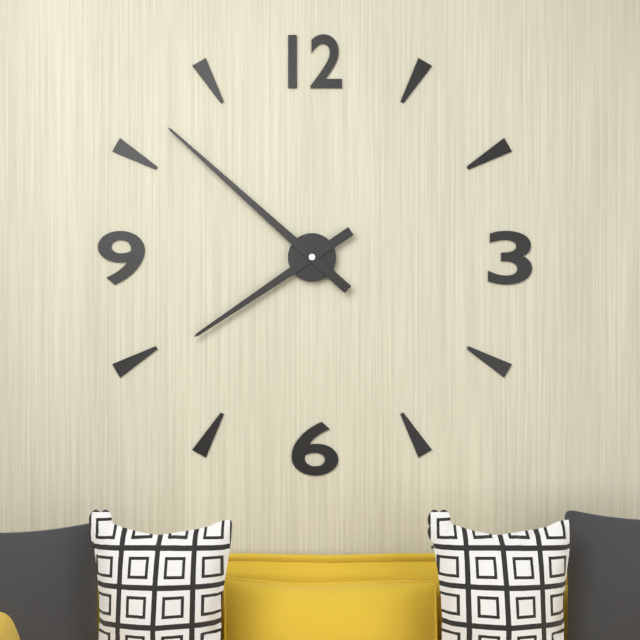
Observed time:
{"hour": 7, "minute": 52}
